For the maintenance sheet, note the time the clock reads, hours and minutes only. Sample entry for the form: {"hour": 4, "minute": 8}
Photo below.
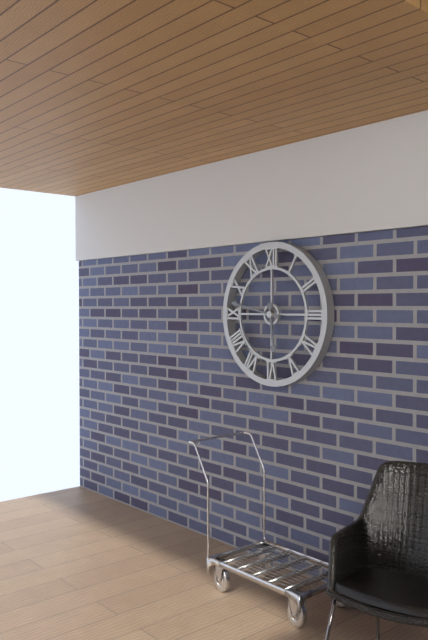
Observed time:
{"hour": 5, "minute": 47}
